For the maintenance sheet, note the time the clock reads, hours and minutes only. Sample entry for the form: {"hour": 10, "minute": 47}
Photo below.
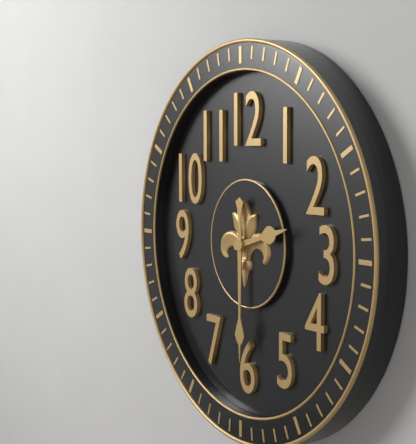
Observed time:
{"hour": 2, "minute": 30}
